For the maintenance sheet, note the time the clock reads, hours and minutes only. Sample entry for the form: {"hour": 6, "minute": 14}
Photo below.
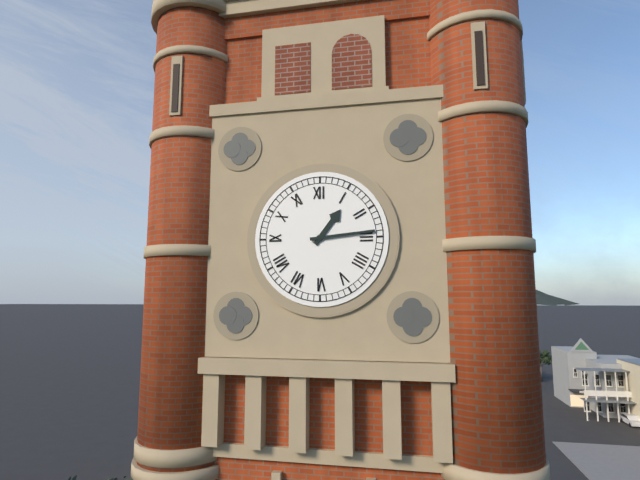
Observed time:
{"hour": 1, "minute": 14}
